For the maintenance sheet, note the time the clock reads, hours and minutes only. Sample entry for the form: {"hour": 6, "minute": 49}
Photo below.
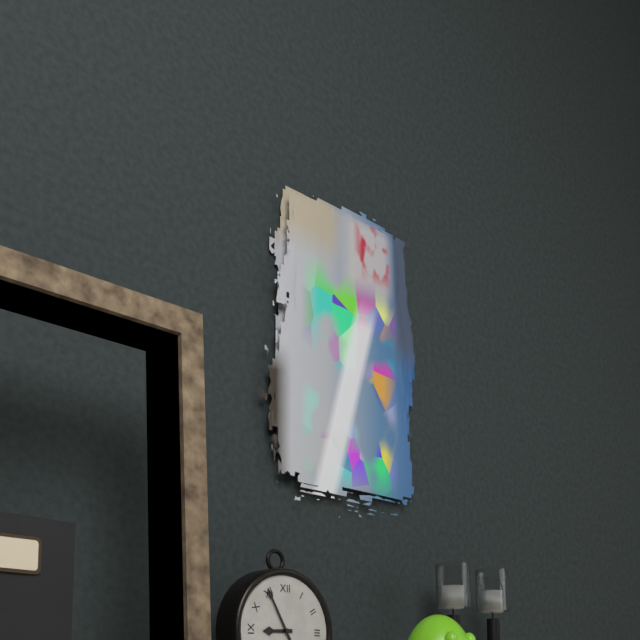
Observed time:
{"hour": 8, "minute": 55}
